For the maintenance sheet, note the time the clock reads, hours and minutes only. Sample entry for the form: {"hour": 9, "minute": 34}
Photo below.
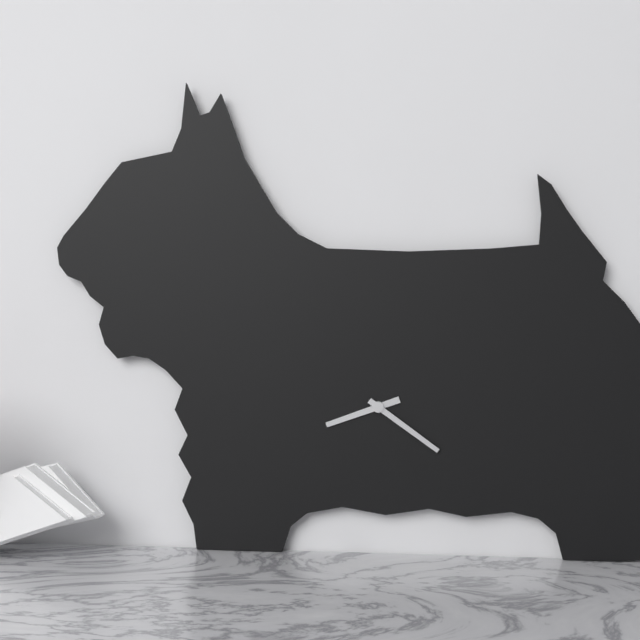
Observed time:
{"hour": 8, "minute": 21}
